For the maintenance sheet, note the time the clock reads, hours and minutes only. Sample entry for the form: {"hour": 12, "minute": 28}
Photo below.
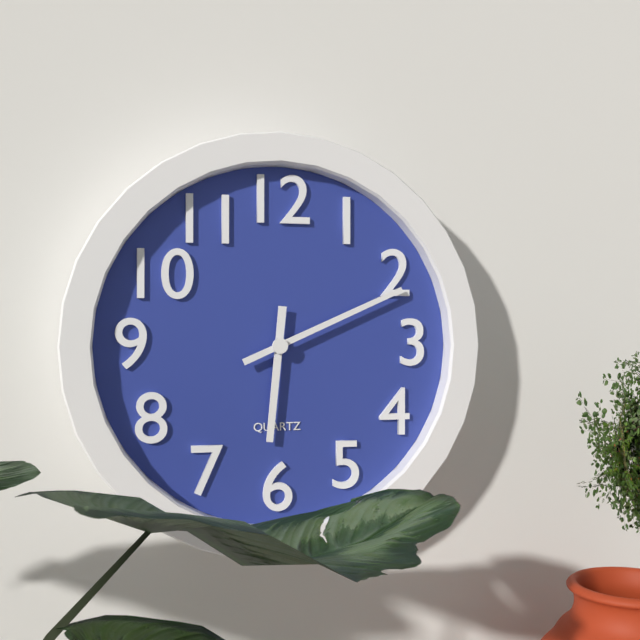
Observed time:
{"hour": 6, "minute": 11}
